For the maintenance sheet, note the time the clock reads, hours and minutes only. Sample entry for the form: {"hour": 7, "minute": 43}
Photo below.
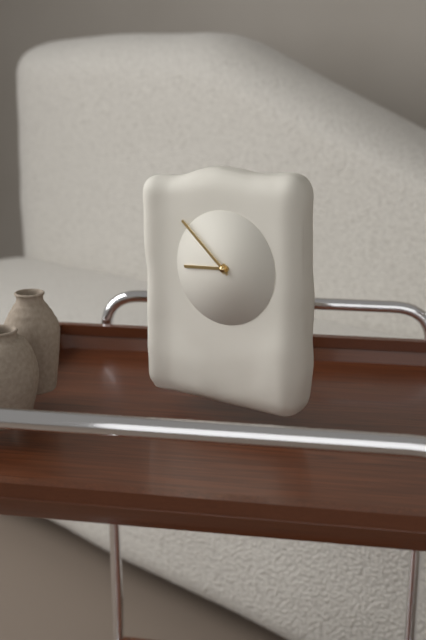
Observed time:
{"hour": 8, "minute": 52}
